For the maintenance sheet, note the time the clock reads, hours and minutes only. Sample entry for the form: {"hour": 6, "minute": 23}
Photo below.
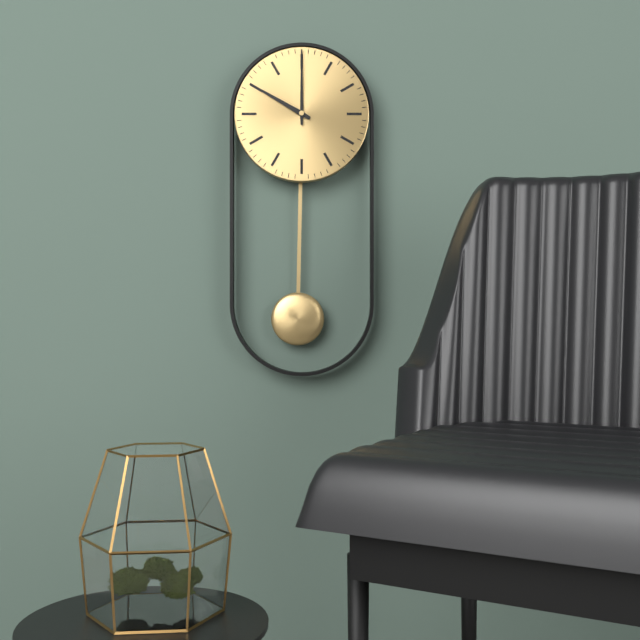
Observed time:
{"hour": 10, "minute": 0}
